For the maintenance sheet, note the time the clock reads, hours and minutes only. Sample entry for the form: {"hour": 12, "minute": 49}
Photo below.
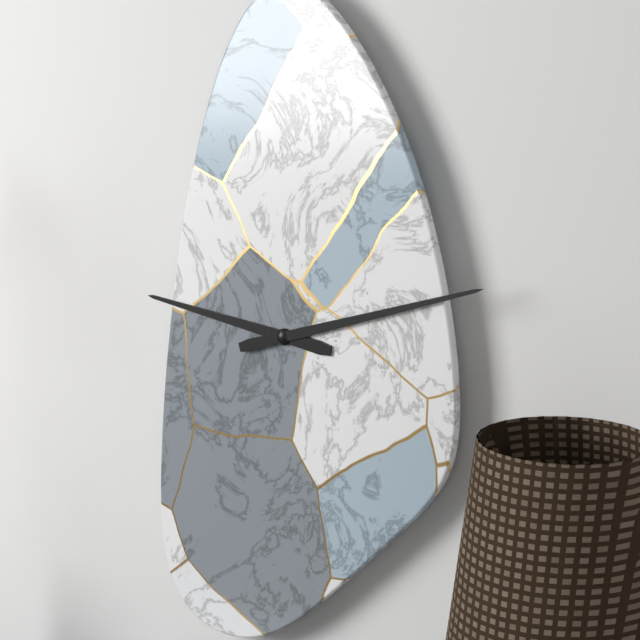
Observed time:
{"hour": 9, "minute": 12}
